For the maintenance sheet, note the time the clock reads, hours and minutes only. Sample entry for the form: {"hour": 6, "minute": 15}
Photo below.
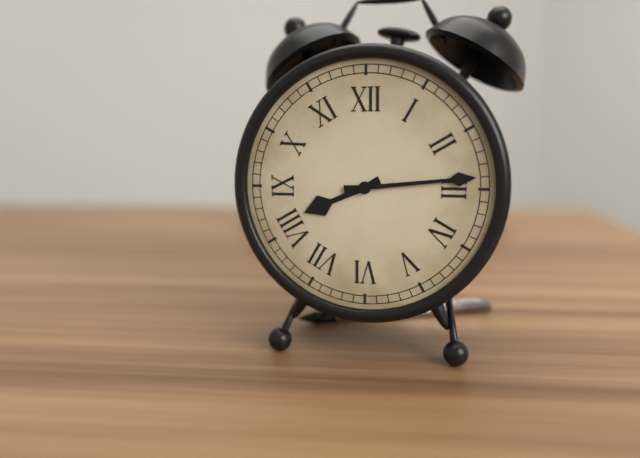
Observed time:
{"hour": 8, "minute": 14}
